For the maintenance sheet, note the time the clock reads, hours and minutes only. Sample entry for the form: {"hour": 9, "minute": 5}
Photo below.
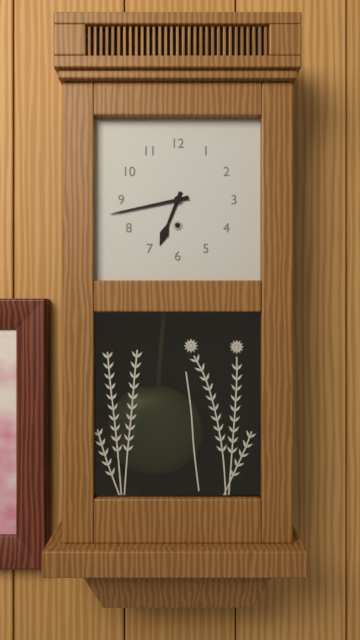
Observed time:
{"hour": 6, "minute": 43}
